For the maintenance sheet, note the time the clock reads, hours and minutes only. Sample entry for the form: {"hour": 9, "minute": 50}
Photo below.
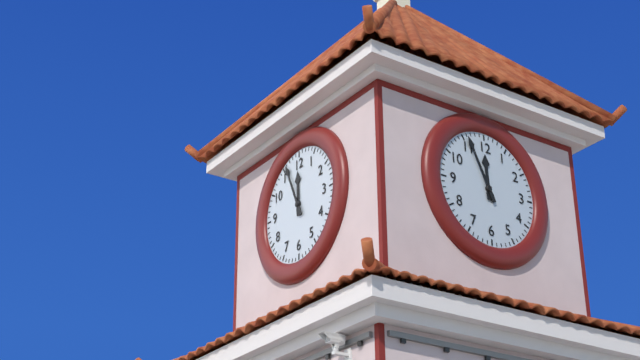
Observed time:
{"hour": 11, "minute": 56}
